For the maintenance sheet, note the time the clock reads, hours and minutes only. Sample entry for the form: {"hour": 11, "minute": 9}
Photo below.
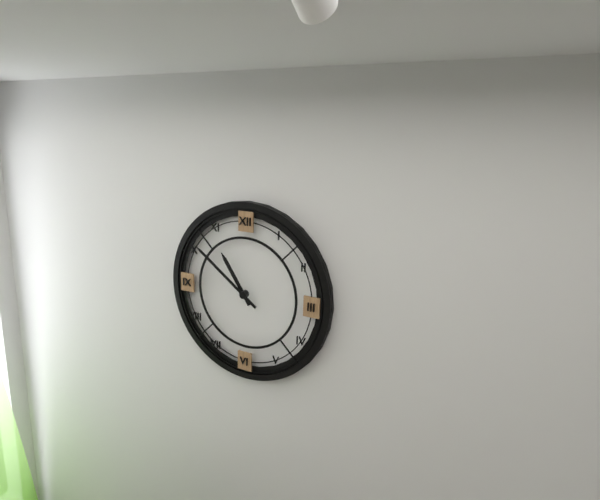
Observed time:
{"hour": 10, "minute": 51}
